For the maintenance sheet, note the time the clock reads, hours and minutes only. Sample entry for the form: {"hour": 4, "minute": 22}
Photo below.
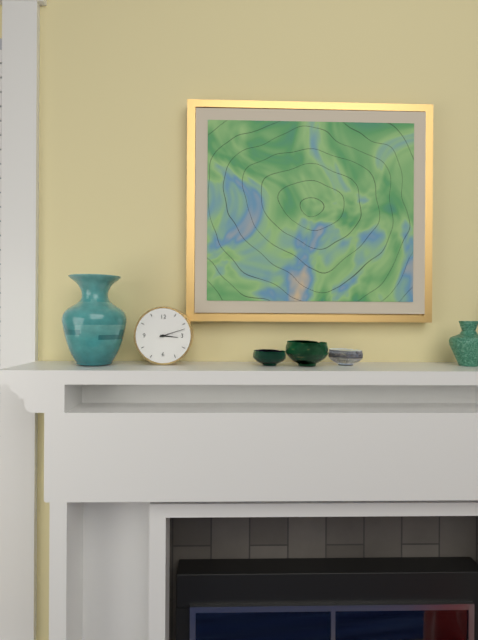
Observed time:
{"hour": 3, "minute": 12}
